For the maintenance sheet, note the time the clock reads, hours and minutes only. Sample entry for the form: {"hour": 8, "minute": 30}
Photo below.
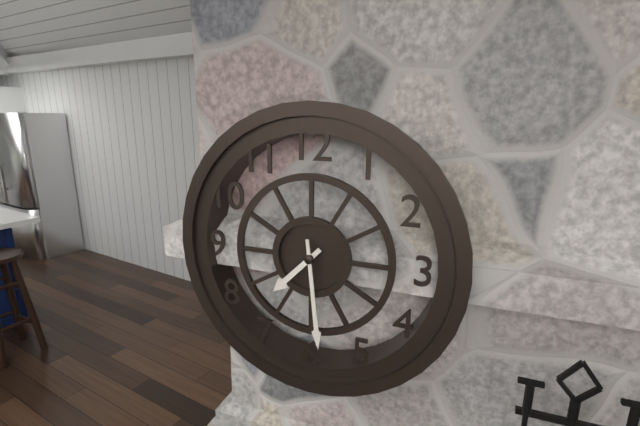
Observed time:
{"hour": 7, "minute": 29}
